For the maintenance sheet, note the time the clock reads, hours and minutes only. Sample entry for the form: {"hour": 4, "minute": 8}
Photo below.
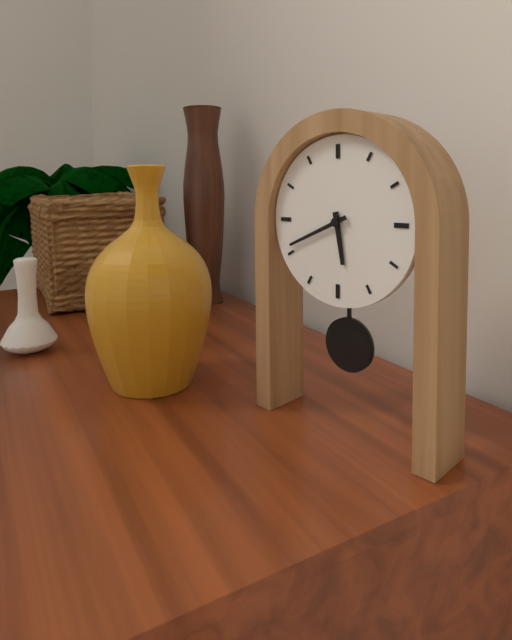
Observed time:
{"hour": 5, "minute": 41}
